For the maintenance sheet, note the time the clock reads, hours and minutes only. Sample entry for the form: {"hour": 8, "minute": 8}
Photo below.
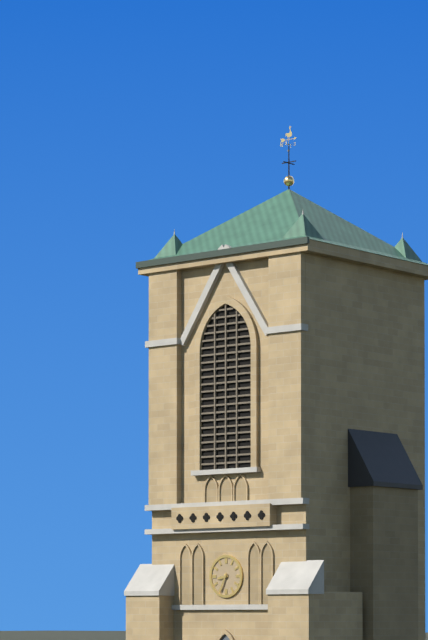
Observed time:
{"hour": 8, "minute": 34}
